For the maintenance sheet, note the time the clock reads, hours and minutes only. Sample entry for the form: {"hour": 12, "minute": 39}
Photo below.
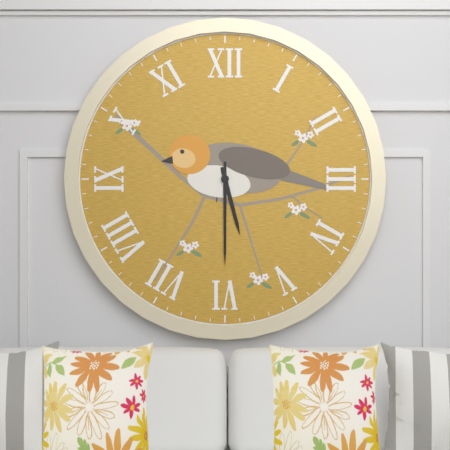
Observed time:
{"hour": 5, "minute": 30}
